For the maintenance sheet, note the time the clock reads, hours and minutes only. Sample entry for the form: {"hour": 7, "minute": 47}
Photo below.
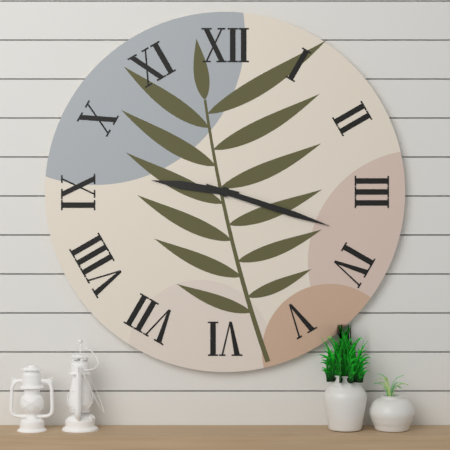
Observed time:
{"hour": 9, "minute": 18}
